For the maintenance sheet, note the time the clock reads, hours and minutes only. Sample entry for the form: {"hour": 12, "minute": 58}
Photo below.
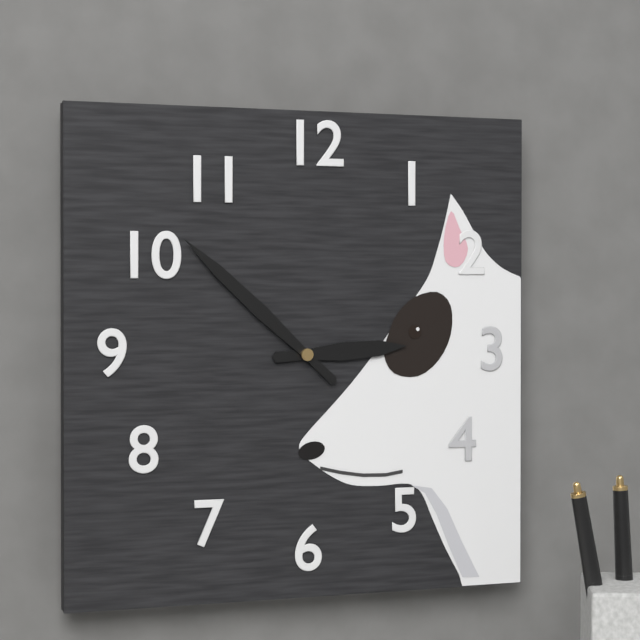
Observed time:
{"hour": 2, "minute": 52}
